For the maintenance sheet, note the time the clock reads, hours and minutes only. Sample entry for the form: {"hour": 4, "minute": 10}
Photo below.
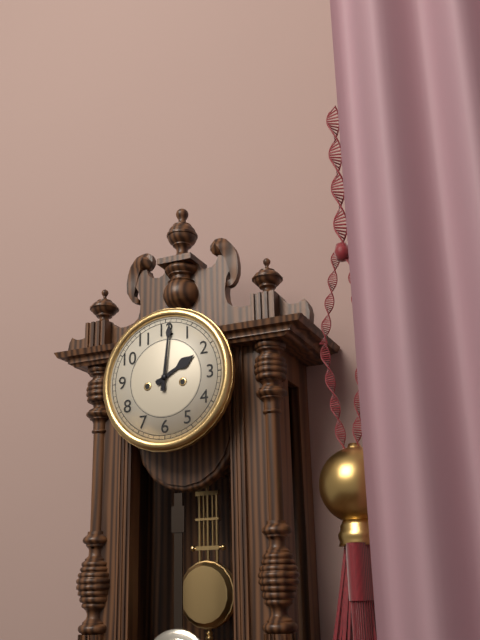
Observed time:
{"hour": 2, "minute": 1}
